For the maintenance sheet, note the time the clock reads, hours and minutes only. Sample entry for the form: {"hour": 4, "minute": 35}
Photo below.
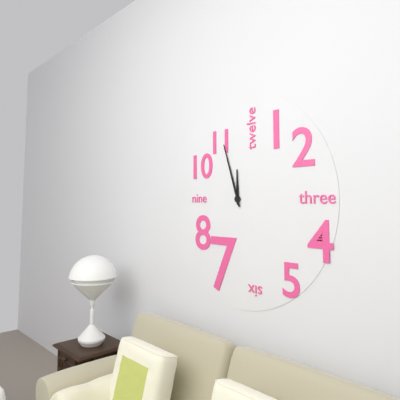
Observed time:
{"hour": 11, "minute": 57}
